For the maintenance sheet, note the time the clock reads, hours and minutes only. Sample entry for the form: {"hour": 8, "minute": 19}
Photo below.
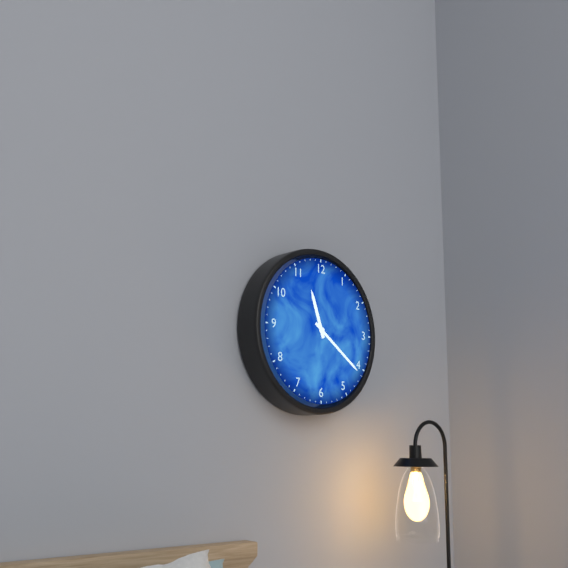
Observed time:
{"hour": 11, "minute": 21}
